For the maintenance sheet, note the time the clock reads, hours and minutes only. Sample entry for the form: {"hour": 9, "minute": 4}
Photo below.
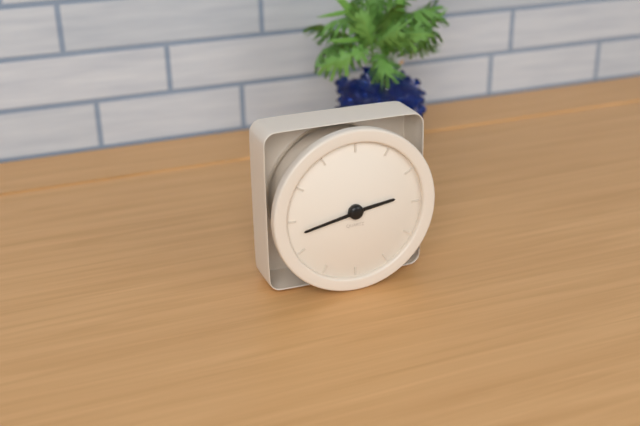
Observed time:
{"hour": 2, "minute": 43}
